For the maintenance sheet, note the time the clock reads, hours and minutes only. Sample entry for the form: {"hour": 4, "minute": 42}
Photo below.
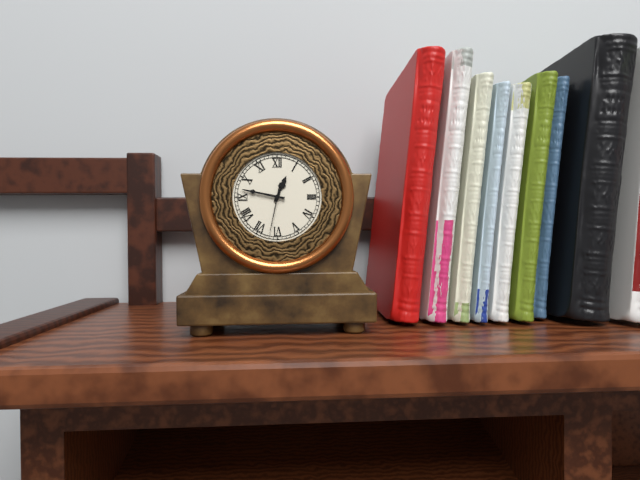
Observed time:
{"hour": 12, "minute": 47}
